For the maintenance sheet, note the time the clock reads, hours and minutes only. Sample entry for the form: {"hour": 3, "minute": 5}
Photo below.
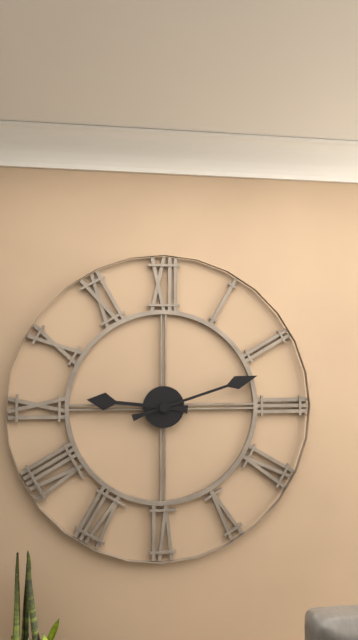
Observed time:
{"hour": 9, "minute": 12}
